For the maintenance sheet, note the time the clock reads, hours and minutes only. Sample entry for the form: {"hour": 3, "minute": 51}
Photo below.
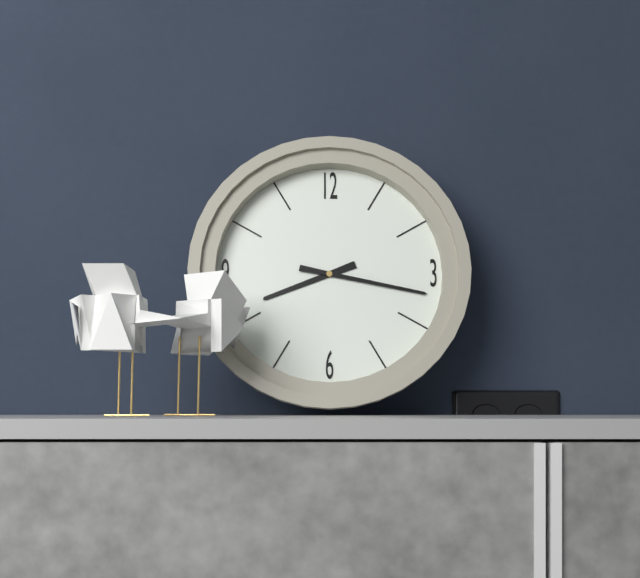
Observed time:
{"hour": 8, "minute": 17}
